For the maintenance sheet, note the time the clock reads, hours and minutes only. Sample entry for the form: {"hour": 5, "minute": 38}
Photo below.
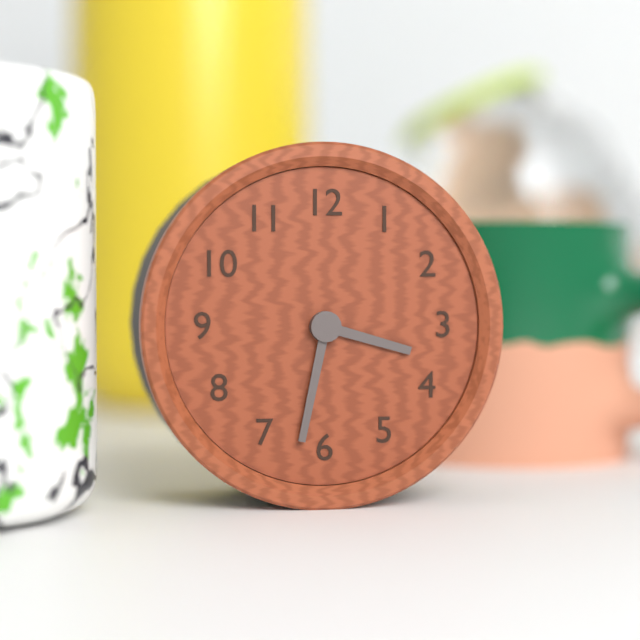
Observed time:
{"hour": 3, "minute": 32}
